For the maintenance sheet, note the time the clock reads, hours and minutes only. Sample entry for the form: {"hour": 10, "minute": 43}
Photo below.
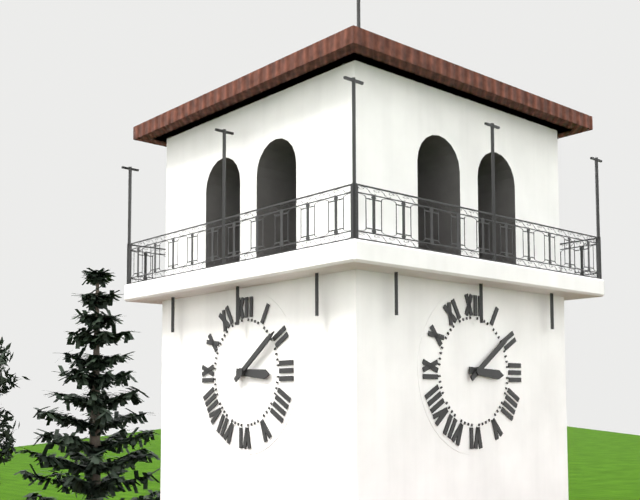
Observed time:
{"hour": 3, "minute": 9}
